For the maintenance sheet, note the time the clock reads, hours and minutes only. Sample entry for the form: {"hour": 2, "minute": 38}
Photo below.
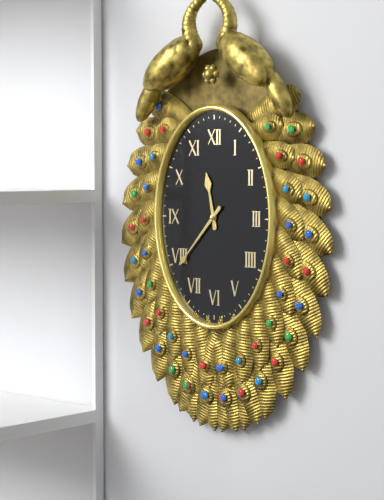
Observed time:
{"hour": 11, "minute": 37}
